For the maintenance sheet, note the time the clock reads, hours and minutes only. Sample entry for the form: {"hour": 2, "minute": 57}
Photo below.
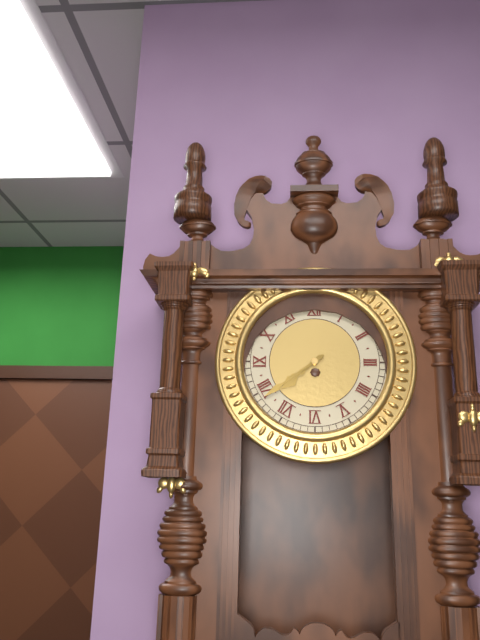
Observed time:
{"hour": 7, "minute": 39}
